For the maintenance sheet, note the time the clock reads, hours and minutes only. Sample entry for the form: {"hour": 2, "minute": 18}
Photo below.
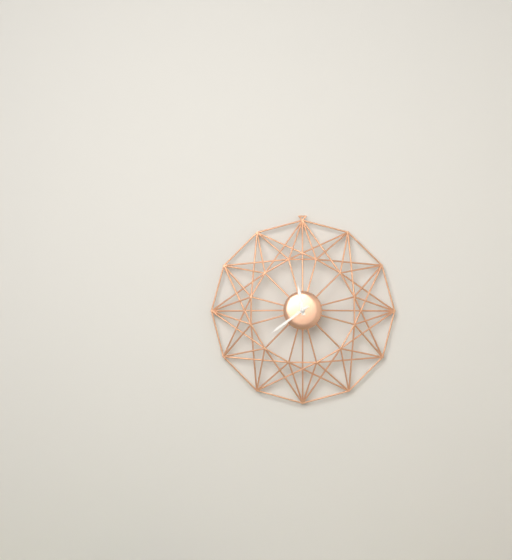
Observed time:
{"hour": 11, "minute": 39}
